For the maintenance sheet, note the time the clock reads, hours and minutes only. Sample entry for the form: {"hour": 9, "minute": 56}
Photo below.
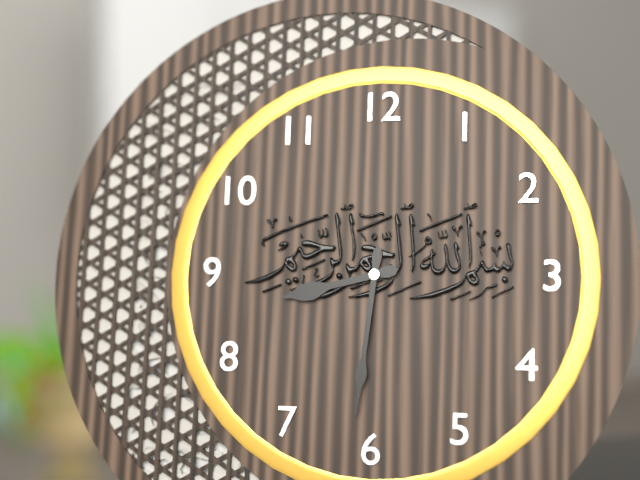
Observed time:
{"hour": 8, "minute": 31}
